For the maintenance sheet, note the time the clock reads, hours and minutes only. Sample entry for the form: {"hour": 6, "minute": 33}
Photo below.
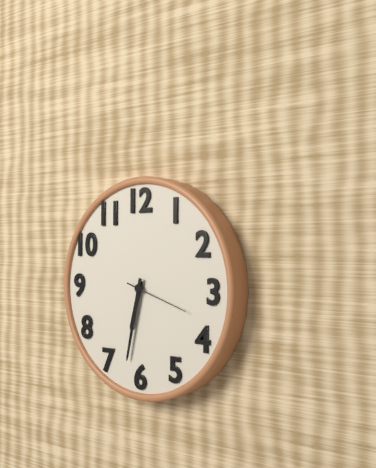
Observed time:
{"hour": 6, "minute": 32}
